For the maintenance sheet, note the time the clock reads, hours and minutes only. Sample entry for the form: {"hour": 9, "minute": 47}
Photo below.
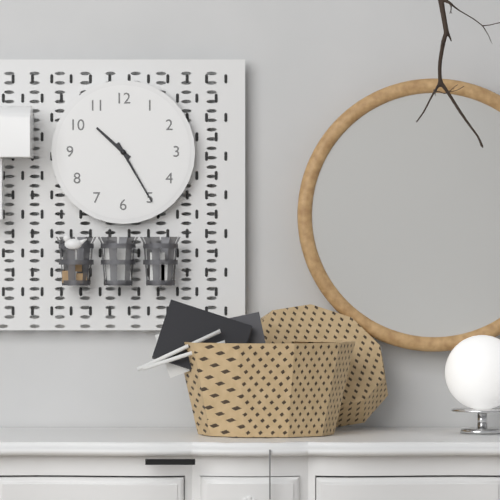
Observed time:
{"hour": 10, "minute": 25}
